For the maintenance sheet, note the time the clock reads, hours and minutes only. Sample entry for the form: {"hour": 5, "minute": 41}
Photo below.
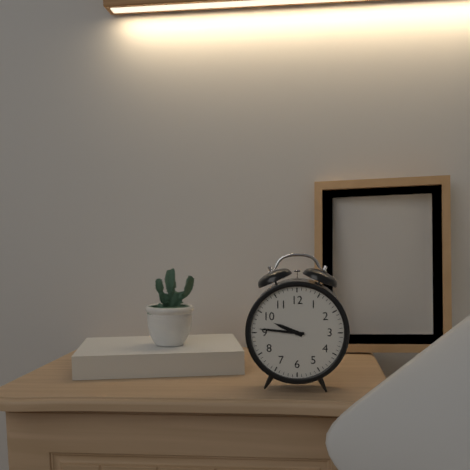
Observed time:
{"hour": 9, "minute": 46}
